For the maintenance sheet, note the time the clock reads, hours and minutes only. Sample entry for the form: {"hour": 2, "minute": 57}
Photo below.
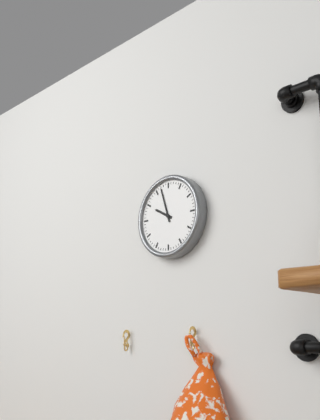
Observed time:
{"hour": 9, "minute": 57}
